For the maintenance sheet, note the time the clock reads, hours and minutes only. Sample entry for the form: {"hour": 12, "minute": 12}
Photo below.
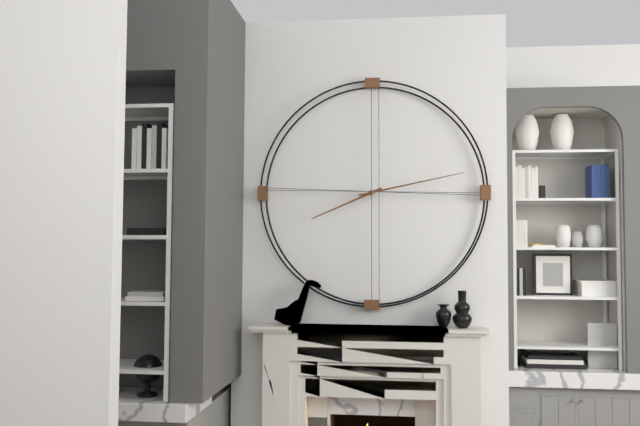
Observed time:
{"hour": 8, "minute": 13}
